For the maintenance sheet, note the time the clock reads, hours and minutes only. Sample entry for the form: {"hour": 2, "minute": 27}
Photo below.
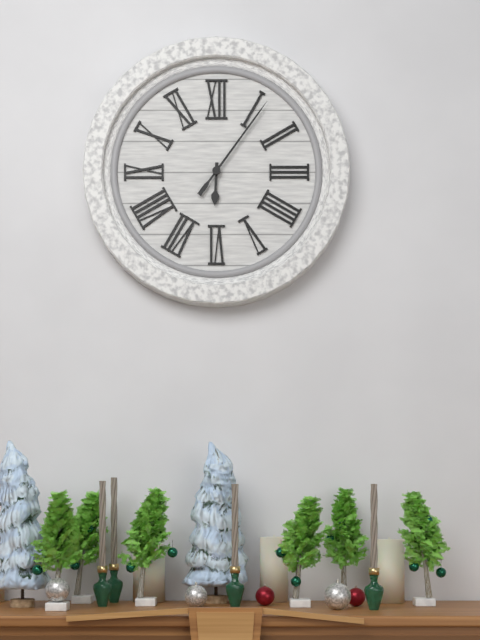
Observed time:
{"hour": 6, "minute": 6}
